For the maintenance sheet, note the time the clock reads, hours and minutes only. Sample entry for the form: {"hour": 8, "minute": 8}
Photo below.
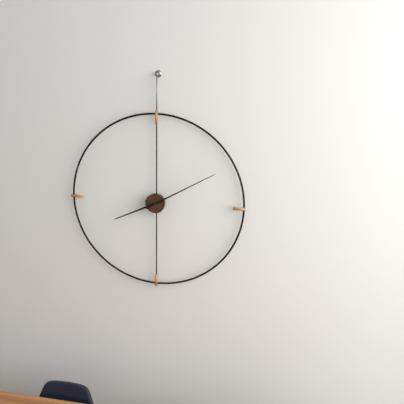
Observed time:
{"hour": 8, "minute": 10}
